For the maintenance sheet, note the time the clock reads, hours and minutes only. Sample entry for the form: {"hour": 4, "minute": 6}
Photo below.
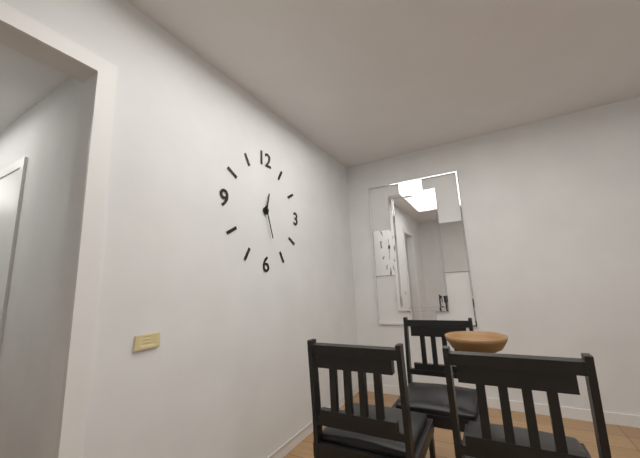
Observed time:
{"hour": 12, "minute": 27}
